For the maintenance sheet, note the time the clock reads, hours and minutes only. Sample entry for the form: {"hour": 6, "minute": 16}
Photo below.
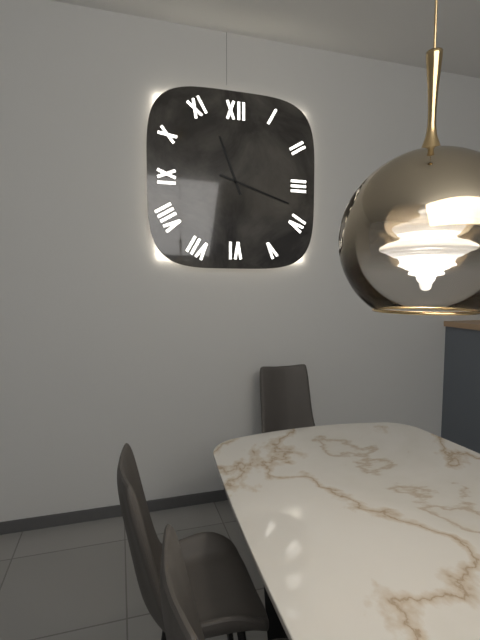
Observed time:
{"hour": 11, "minute": 18}
